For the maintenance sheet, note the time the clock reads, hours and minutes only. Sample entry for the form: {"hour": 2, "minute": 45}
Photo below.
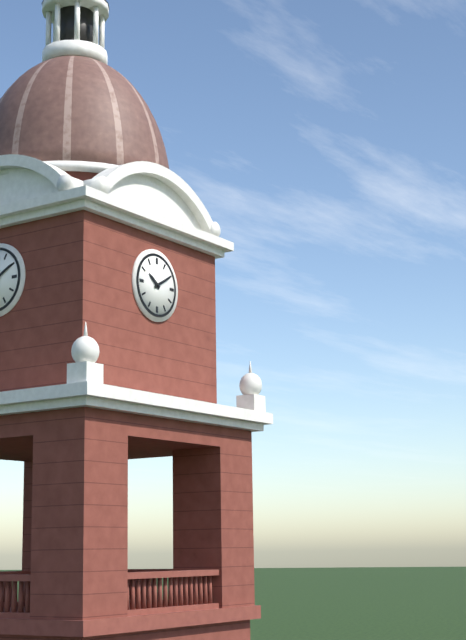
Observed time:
{"hour": 10, "minute": 10}
